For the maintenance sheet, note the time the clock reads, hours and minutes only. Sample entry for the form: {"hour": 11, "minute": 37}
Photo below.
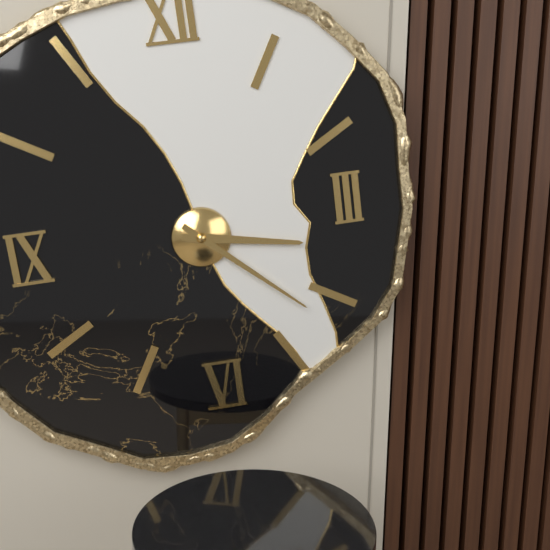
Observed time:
{"hour": 3, "minute": 22}
